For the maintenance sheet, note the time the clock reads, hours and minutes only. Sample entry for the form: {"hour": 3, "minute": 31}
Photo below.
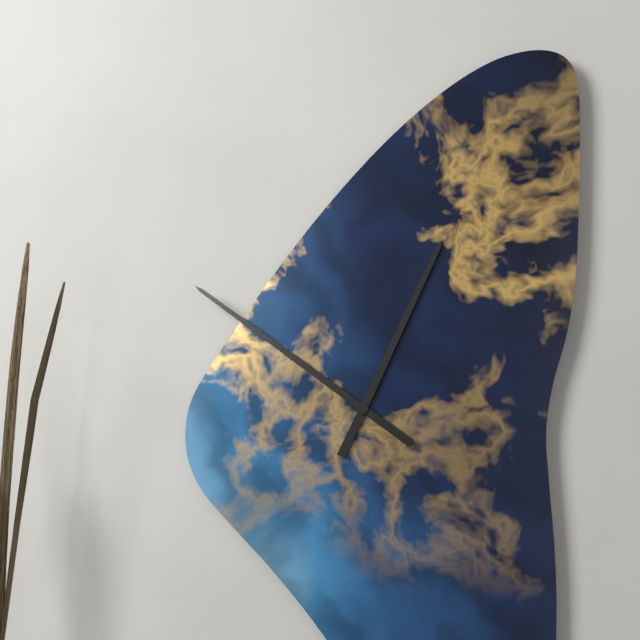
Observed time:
{"hour": 12, "minute": 51}
